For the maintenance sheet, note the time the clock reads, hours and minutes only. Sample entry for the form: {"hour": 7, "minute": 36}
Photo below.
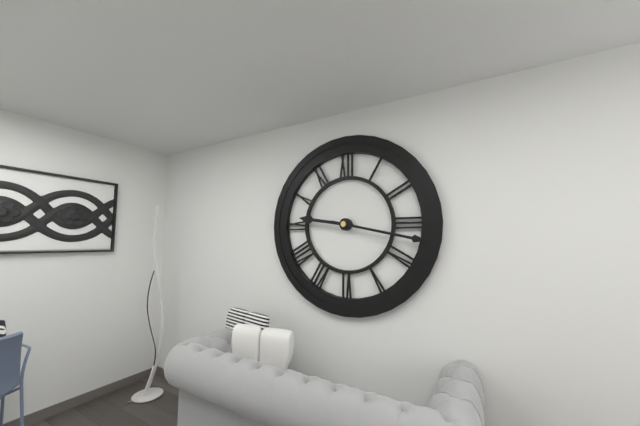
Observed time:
{"hour": 9, "minute": 17}
